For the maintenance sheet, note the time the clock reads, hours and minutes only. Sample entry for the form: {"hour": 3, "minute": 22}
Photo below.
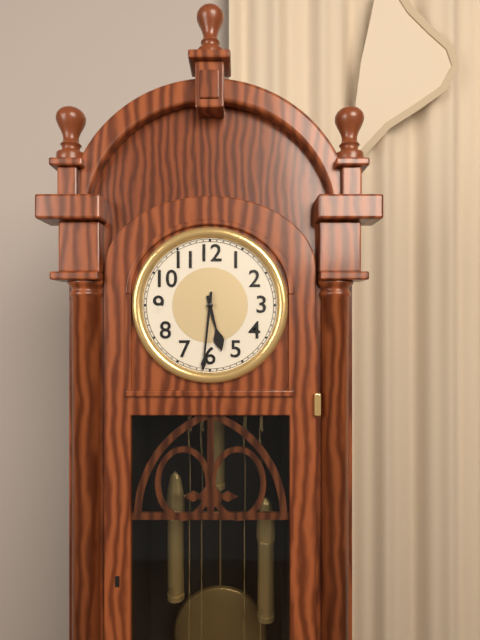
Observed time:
{"hour": 5, "minute": 31}
